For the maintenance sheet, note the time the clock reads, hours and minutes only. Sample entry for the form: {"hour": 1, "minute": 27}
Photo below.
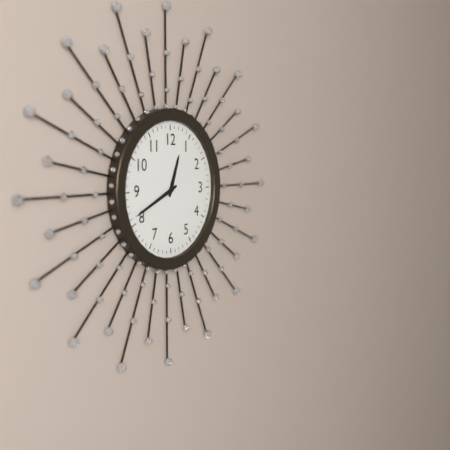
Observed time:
{"hour": 12, "minute": 41}
